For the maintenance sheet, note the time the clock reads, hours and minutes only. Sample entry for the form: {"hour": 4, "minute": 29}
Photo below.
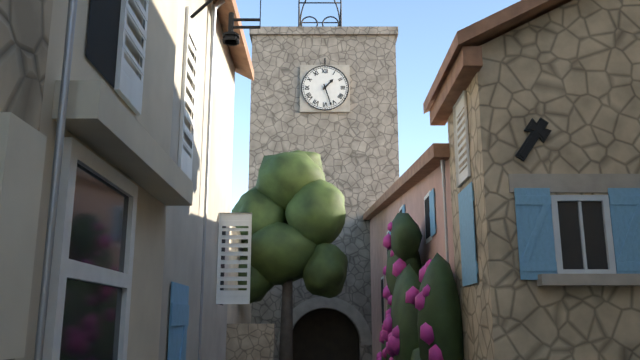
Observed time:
{"hour": 1, "minute": 27}
